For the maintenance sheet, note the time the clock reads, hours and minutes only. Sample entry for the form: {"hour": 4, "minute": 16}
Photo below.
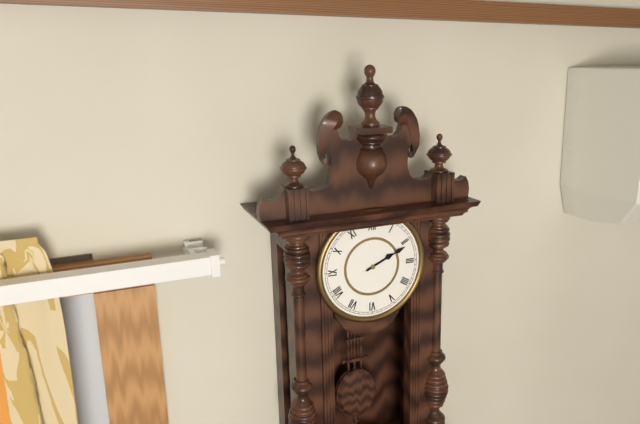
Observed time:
{"hour": 2, "minute": 11}
